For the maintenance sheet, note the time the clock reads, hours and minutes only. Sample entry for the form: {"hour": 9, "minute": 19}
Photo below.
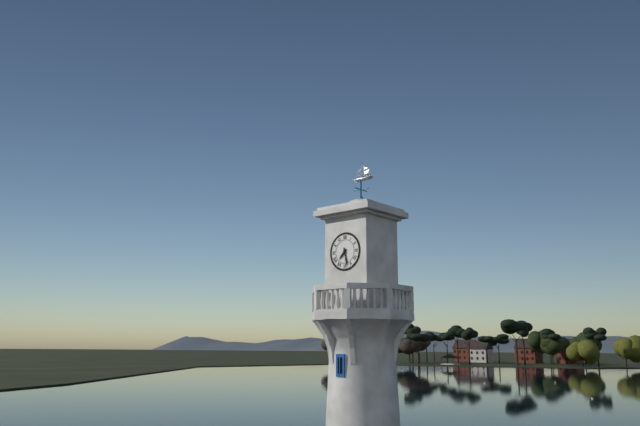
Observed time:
{"hour": 7, "minute": 28}
